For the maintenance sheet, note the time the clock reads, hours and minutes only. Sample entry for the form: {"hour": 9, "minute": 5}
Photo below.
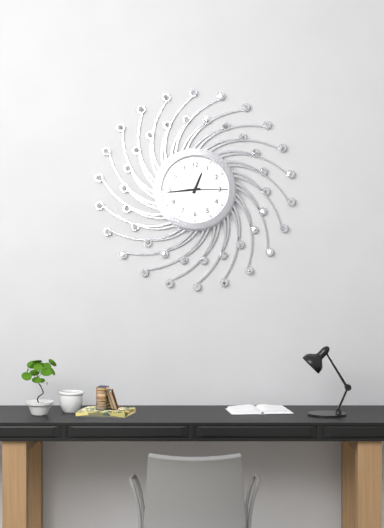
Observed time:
{"hour": 12, "minute": 44}
